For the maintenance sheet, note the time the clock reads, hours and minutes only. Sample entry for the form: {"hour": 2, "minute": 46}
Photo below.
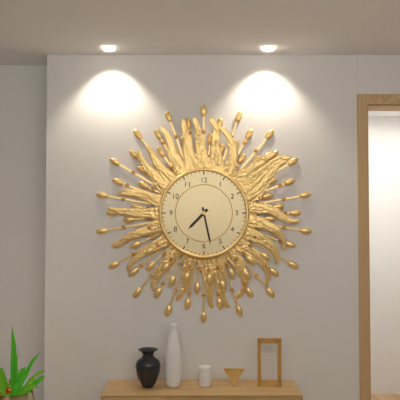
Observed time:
{"hour": 7, "minute": 28}
